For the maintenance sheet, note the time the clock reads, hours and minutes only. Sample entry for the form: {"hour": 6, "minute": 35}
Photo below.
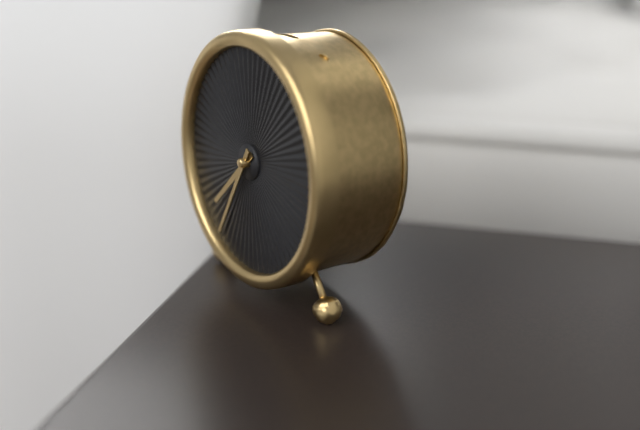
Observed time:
{"hour": 7, "minute": 35}
